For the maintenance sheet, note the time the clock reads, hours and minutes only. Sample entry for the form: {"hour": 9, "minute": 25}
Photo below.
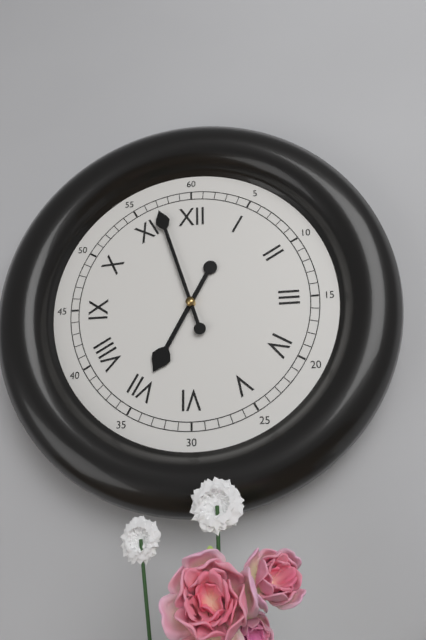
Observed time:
{"hour": 6, "minute": 57}
